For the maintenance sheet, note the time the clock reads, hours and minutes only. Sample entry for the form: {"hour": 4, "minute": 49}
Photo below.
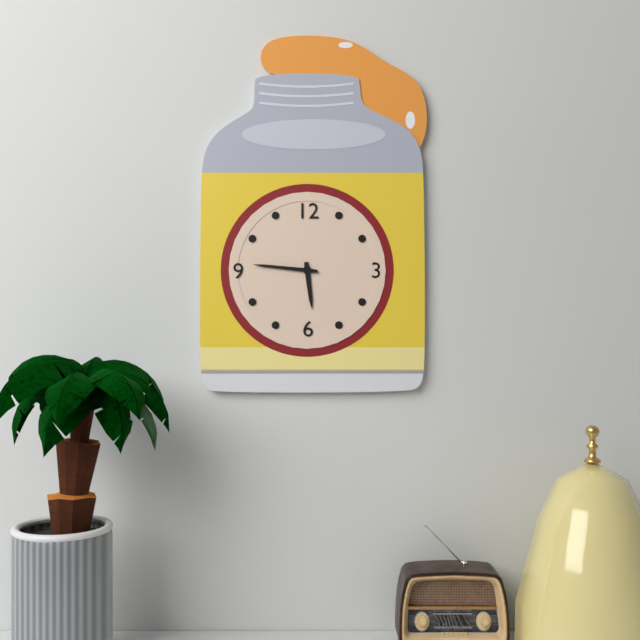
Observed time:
{"hour": 5, "minute": 46}
